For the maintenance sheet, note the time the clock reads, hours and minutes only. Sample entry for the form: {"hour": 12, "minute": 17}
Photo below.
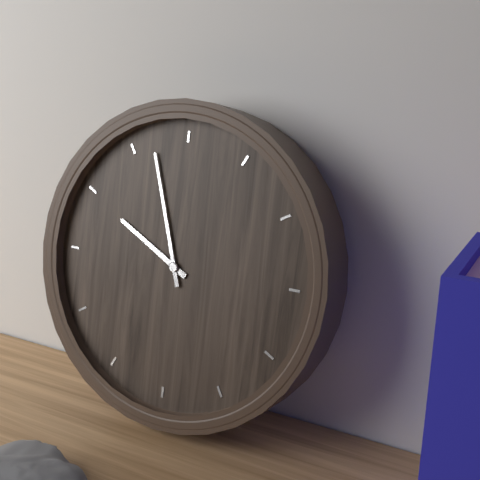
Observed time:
{"hour": 9, "minute": 57}
